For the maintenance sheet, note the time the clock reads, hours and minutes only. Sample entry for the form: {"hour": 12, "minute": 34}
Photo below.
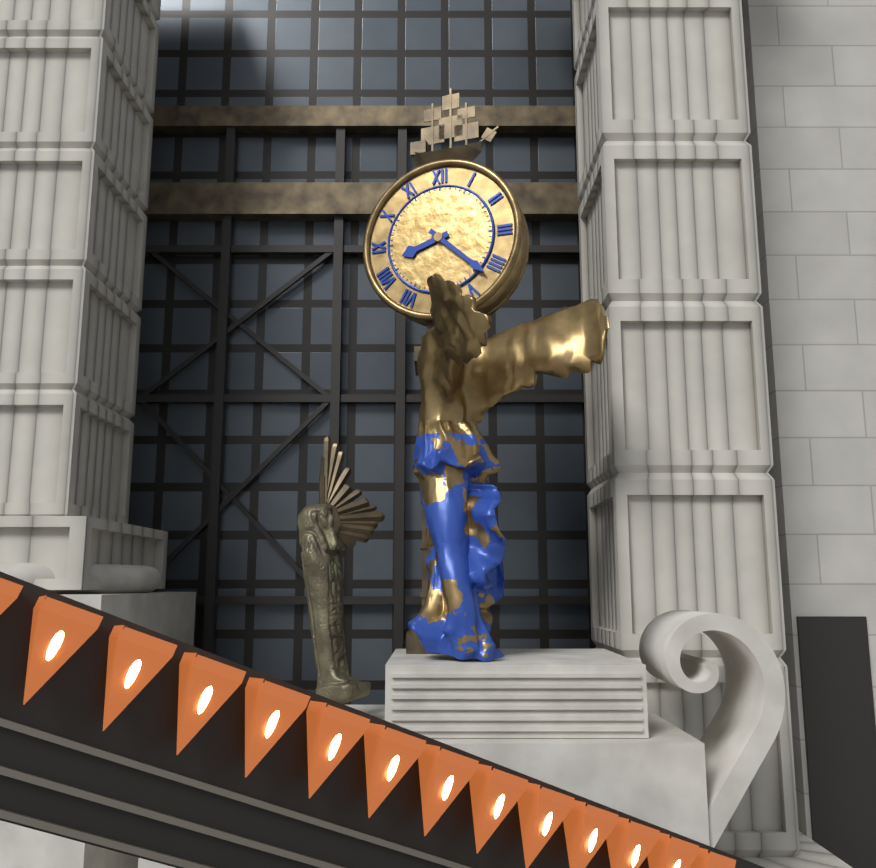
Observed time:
{"hour": 8, "minute": 22}
